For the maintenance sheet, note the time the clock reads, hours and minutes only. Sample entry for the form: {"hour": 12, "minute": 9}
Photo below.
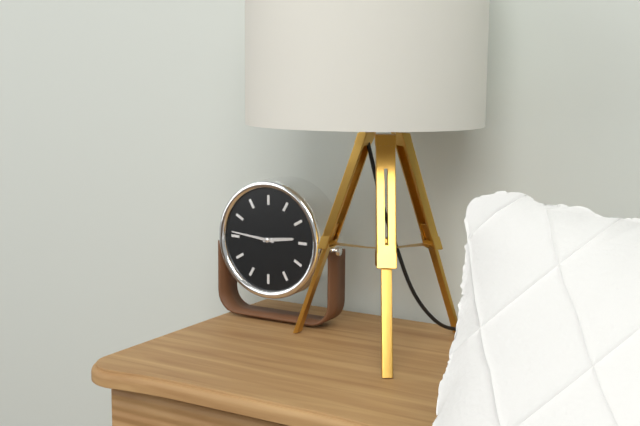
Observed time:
{"hour": 2, "minute": 46}
